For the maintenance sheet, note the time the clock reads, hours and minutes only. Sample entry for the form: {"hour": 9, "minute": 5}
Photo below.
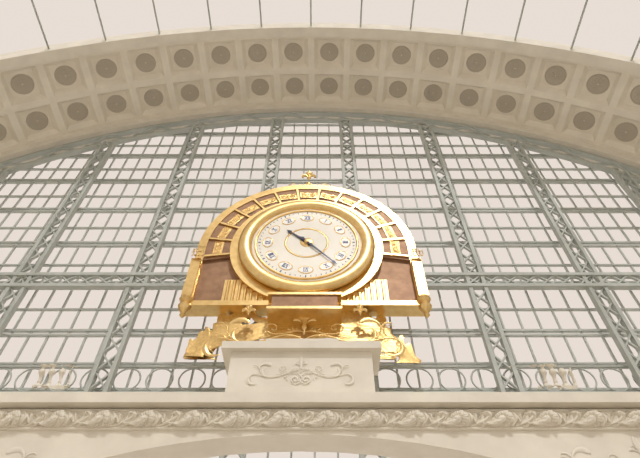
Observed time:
{"hour": 10, "minute": 23}
